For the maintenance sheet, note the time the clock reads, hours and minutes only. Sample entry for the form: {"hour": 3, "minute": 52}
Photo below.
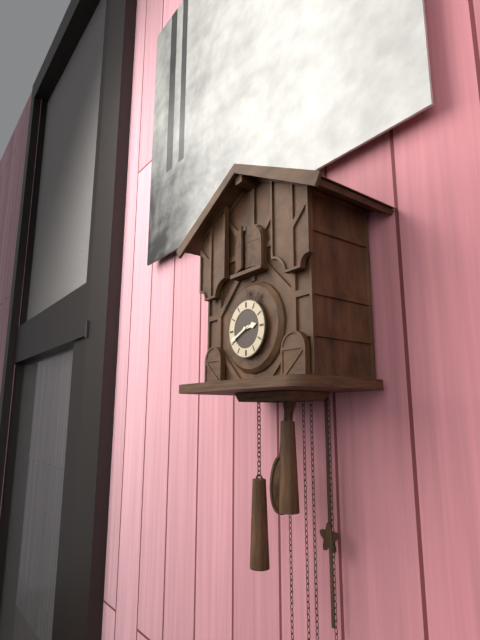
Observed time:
{"hour": 2, "minute": 41}
